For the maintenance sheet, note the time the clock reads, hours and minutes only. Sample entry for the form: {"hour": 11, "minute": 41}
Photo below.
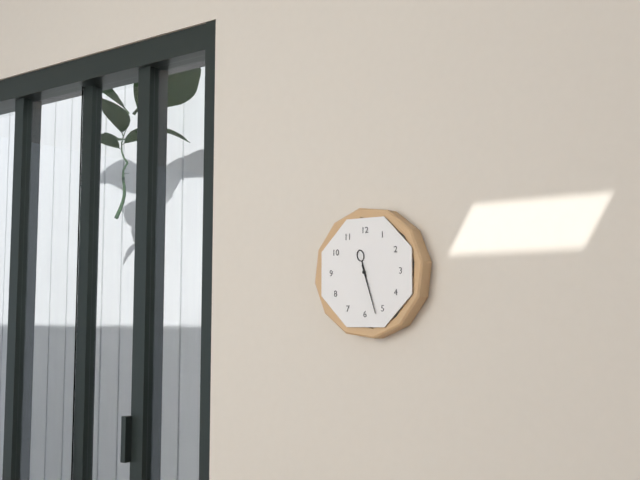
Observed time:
{"hour": 11, "minute": 27}
